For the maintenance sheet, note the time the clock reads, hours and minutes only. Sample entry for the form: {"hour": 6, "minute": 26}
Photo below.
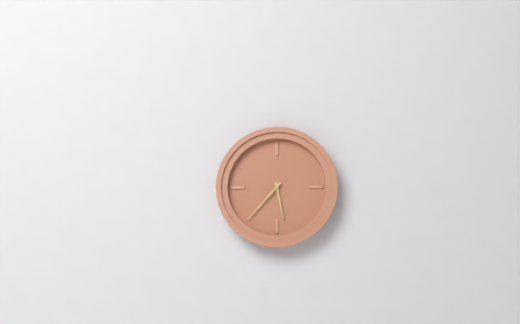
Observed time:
{"hour": 5, "minute": 37}
